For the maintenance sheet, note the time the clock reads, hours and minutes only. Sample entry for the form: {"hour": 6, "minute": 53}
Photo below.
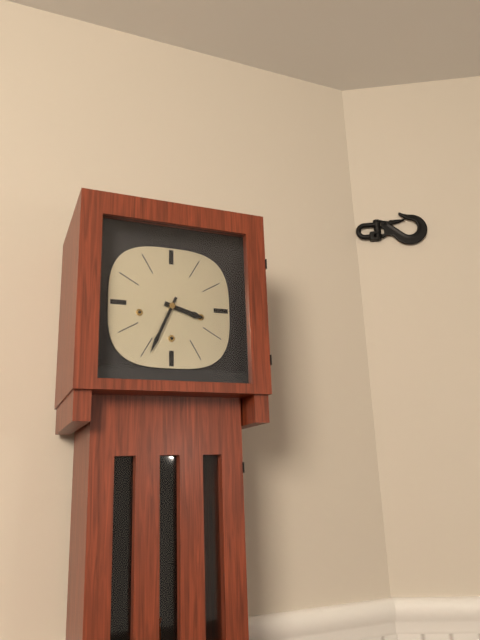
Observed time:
{"hour": 3, "minute": 34}
